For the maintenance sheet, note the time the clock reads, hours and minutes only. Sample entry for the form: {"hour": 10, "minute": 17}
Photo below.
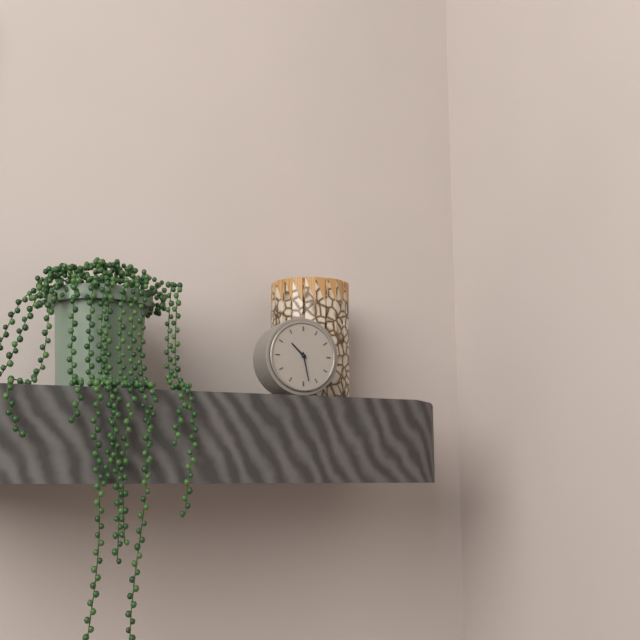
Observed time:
{"hour": 10, "minute": 28}
